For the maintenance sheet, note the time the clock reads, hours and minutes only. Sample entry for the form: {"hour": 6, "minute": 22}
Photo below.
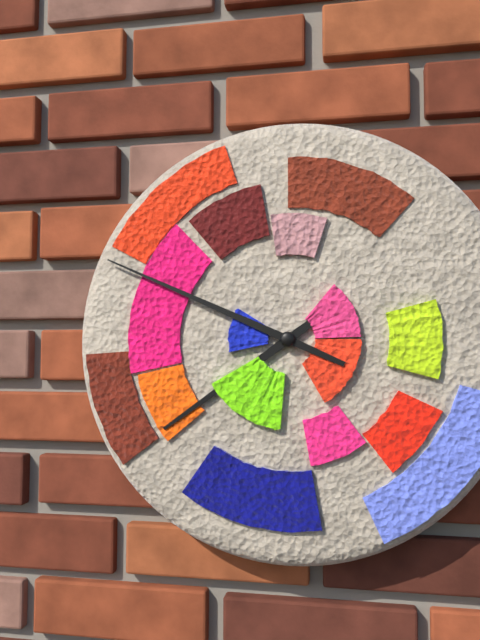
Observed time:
{"hour": 7, "minute": 49}
